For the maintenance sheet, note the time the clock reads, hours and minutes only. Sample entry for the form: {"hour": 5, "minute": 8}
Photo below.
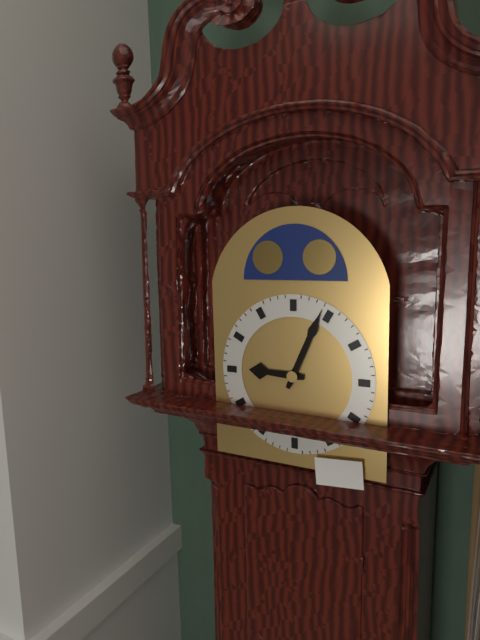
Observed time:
{"hour": 9, "minute": 4}
